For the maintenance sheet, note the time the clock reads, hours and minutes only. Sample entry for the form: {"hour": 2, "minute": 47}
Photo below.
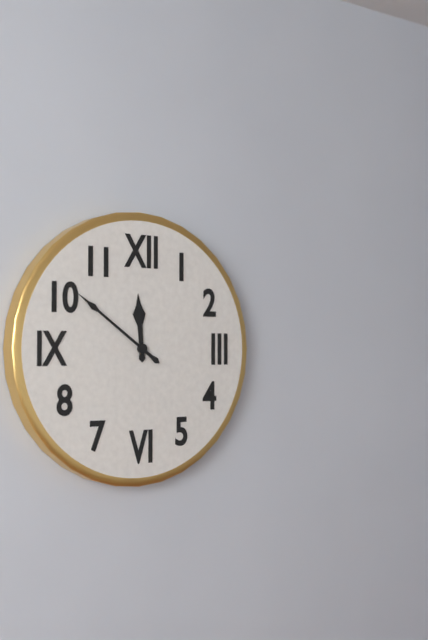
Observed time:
{"hour": 11, "minute": 51}
